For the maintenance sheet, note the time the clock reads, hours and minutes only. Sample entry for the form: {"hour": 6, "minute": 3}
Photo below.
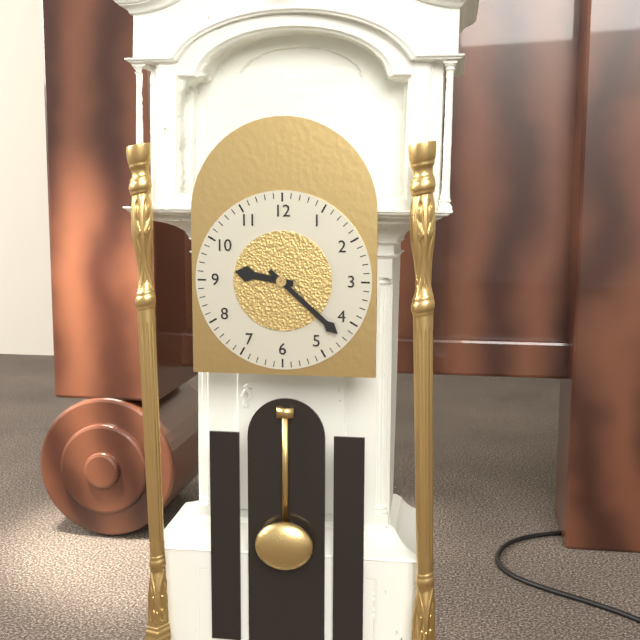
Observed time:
{"hour": 9, "minute": 22}
